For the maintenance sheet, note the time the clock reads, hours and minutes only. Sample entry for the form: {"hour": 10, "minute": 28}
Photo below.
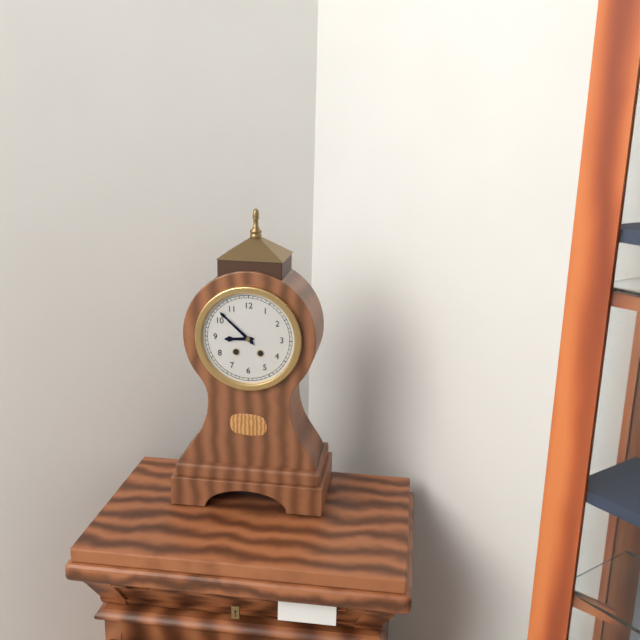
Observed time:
{"hour": 8, "minute": 52}
